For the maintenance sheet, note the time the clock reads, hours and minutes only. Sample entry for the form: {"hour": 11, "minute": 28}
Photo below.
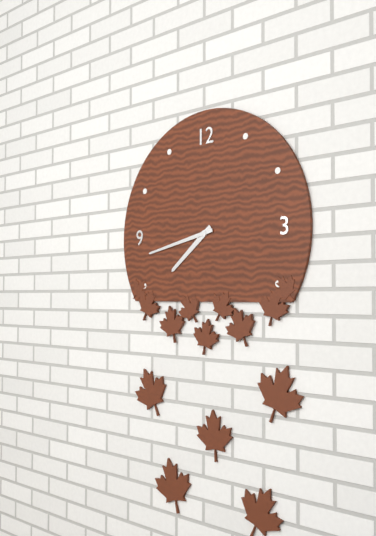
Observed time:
{"hour": 7, "minute": 43}
